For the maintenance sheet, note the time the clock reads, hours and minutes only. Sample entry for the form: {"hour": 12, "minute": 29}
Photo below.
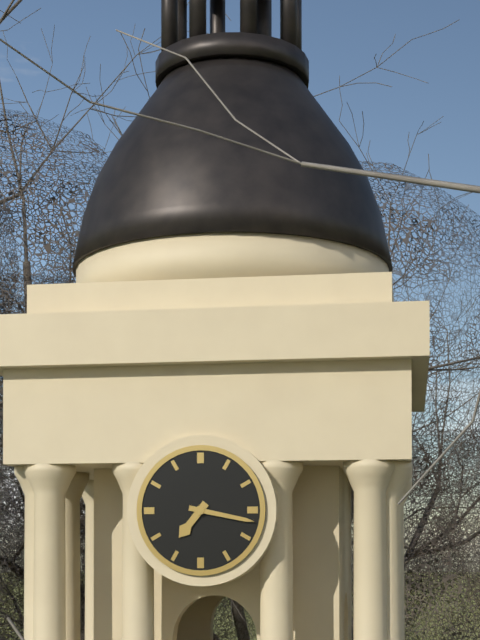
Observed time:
{"hour": 7, "minute": 17}
